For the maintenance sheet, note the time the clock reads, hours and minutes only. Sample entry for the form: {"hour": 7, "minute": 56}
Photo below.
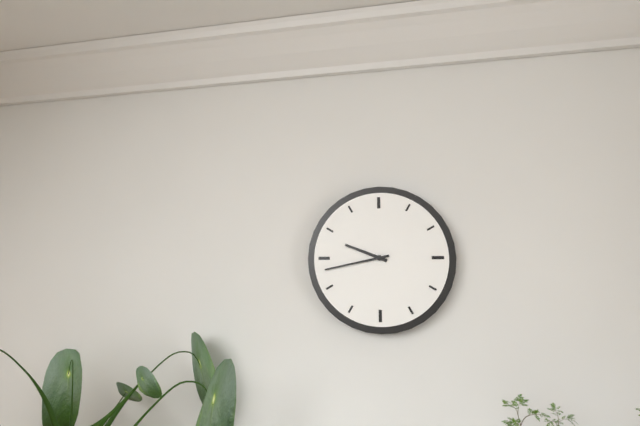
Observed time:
{"hour": 9, "minute": 43}
